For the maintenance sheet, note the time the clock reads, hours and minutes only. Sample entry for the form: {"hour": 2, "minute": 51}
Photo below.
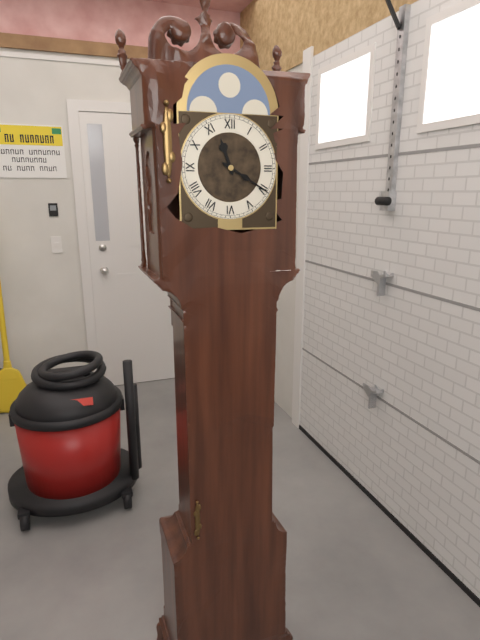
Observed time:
{"hour": 11, "minute": 20}
